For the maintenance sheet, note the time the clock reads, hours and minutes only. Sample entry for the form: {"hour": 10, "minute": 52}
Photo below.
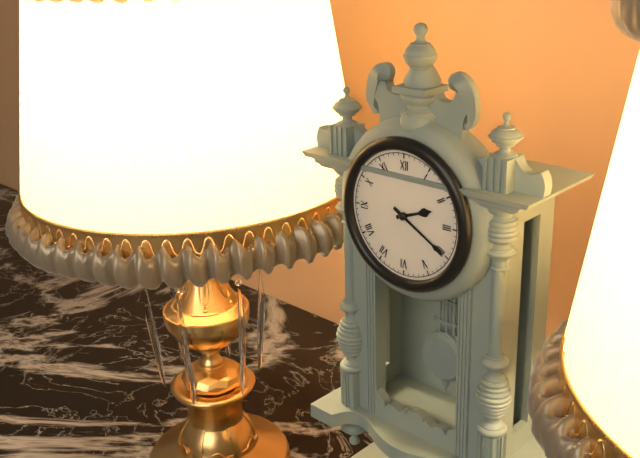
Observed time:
{"hour": 2, "minute": 20}
